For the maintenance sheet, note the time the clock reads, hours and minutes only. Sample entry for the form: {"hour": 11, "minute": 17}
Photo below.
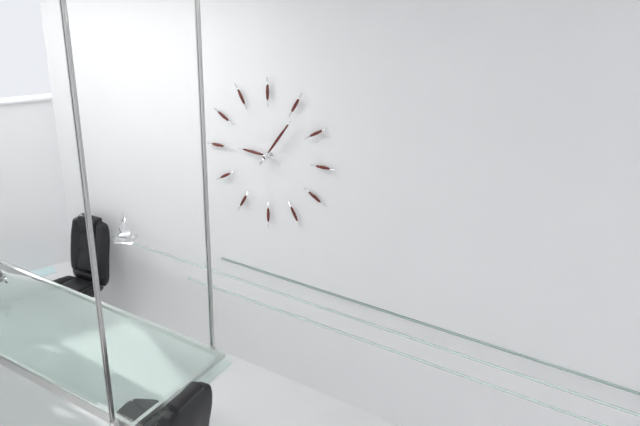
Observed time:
{"hour": 9, "minute": 6}
